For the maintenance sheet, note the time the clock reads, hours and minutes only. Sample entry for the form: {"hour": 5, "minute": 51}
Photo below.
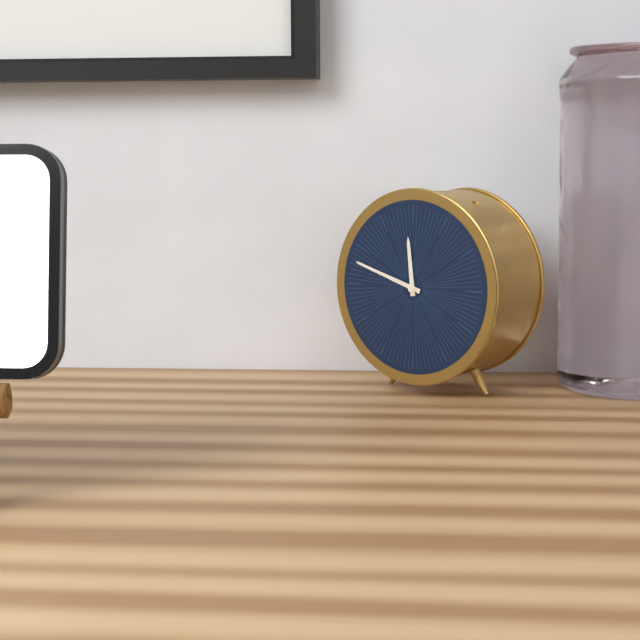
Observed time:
{"hour": 11, "minute": 48}
